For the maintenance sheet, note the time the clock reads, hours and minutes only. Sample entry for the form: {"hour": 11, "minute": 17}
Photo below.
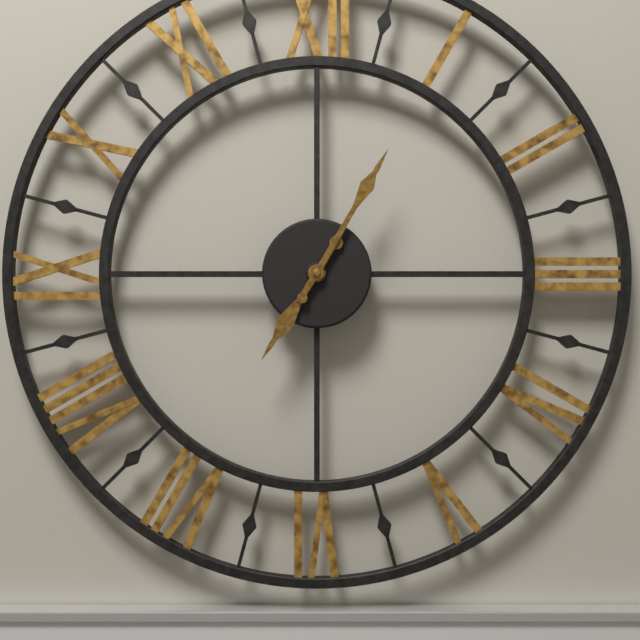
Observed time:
{"hour": 7, "minute": 5}
